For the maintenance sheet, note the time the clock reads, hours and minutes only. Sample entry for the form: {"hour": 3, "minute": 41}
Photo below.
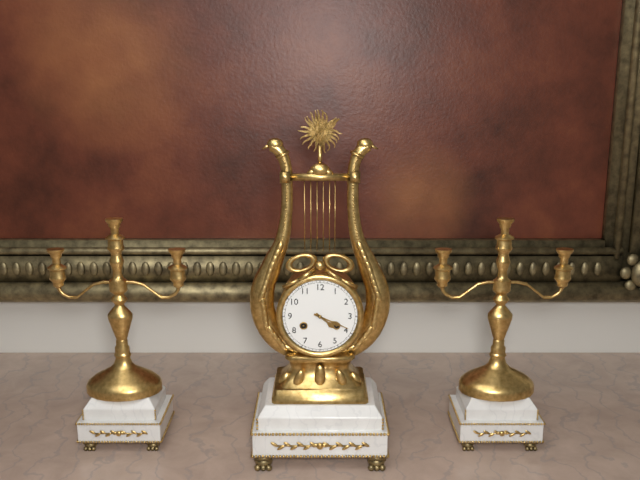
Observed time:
{"hour": 4, "minute": 19}
